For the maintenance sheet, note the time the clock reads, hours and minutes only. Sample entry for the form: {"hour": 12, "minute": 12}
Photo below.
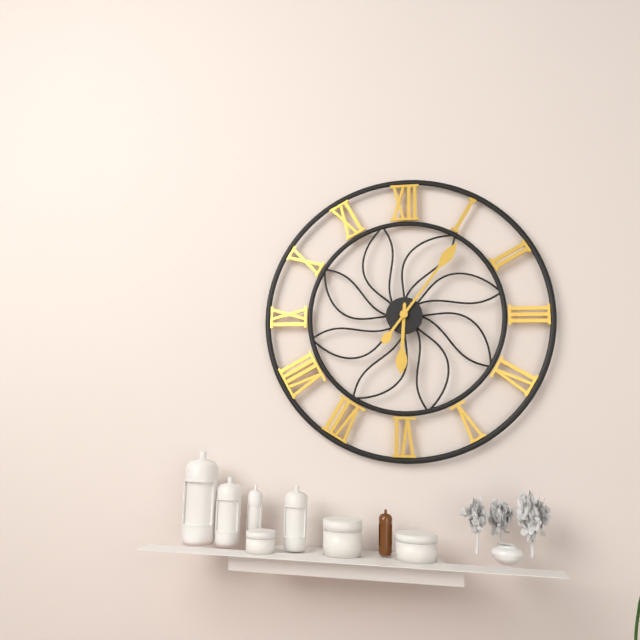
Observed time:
{"hour": 6, "minute": 6}
